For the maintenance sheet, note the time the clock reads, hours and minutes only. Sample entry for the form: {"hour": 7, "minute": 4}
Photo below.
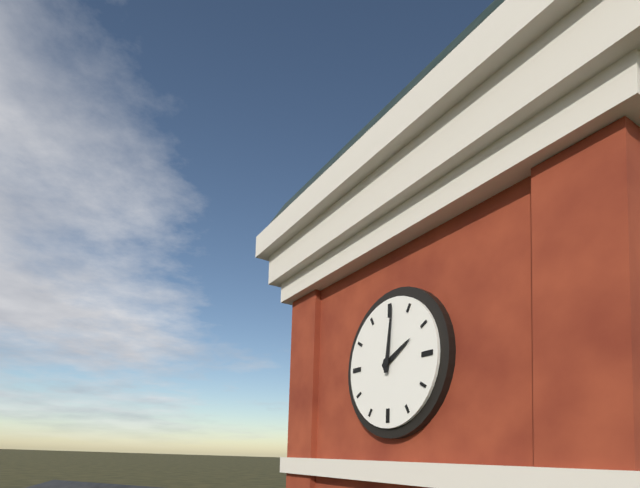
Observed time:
{"hour": 2, "minute": 1}
